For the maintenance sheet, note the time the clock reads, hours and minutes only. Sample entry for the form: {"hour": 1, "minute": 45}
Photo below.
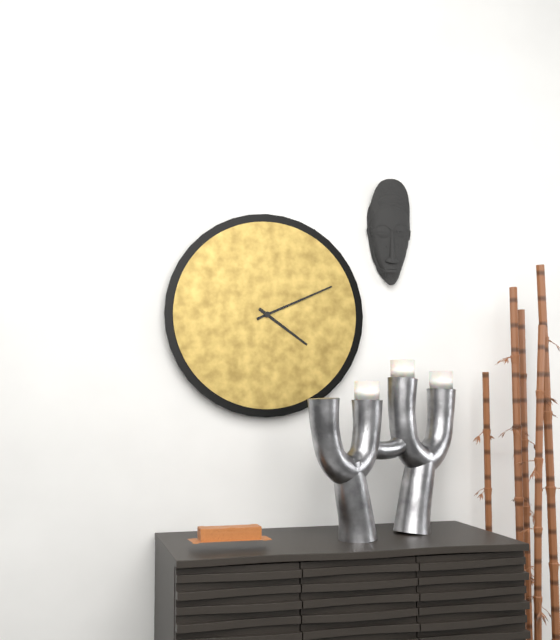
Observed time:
{"hour": 4, "minute": 11}
